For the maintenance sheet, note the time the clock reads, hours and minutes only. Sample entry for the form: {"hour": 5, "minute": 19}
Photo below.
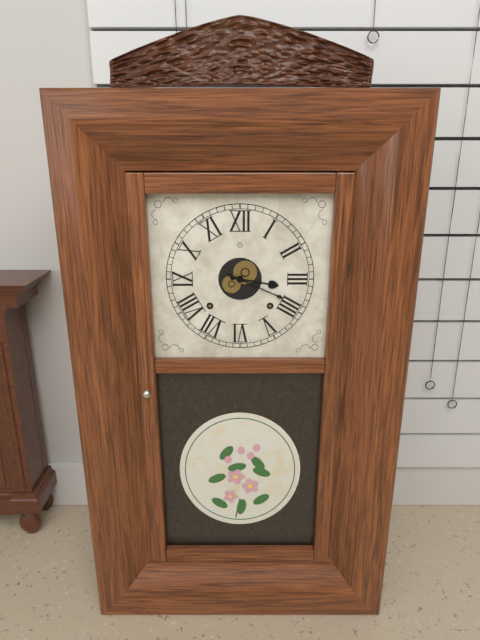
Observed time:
{"hour": 3, "minute": 19}
